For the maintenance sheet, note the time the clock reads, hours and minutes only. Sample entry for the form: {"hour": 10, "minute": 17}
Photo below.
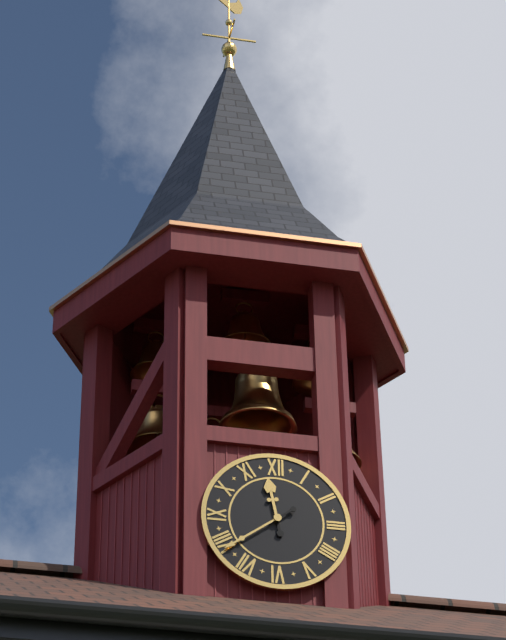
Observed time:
{"hour": 11, "minute": 39}
